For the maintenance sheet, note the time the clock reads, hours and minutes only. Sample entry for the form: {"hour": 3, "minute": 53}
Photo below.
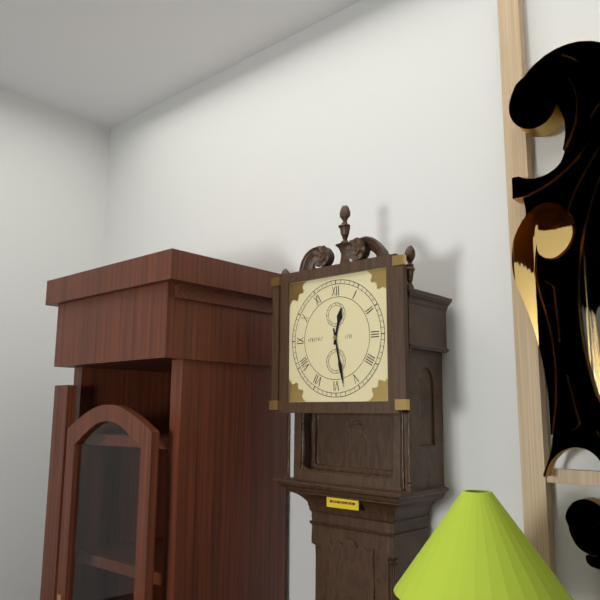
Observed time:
{"hour": 12, "minute": 28}
